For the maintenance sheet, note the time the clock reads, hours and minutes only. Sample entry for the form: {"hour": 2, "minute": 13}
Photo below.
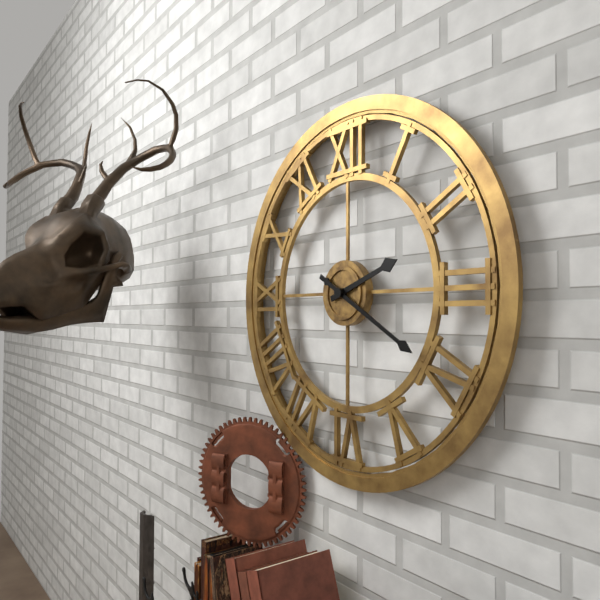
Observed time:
{"hour": 2, "minute": 20}
